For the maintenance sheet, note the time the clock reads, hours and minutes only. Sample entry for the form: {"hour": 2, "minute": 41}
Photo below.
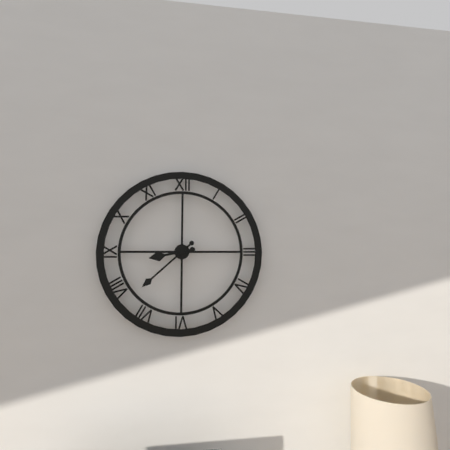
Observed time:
{"hour": 8, "minute": 38}
